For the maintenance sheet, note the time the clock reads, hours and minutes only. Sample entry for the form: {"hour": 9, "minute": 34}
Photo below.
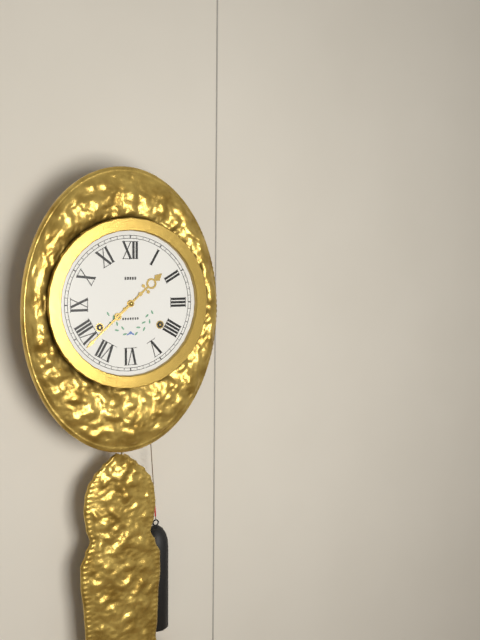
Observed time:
{"hour": 1, "minute": 38}
